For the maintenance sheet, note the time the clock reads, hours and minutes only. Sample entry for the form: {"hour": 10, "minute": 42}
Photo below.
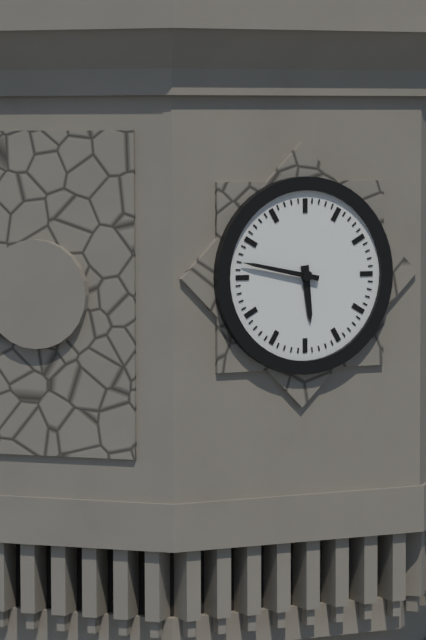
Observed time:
{"hour": 5, "minute": 47}
